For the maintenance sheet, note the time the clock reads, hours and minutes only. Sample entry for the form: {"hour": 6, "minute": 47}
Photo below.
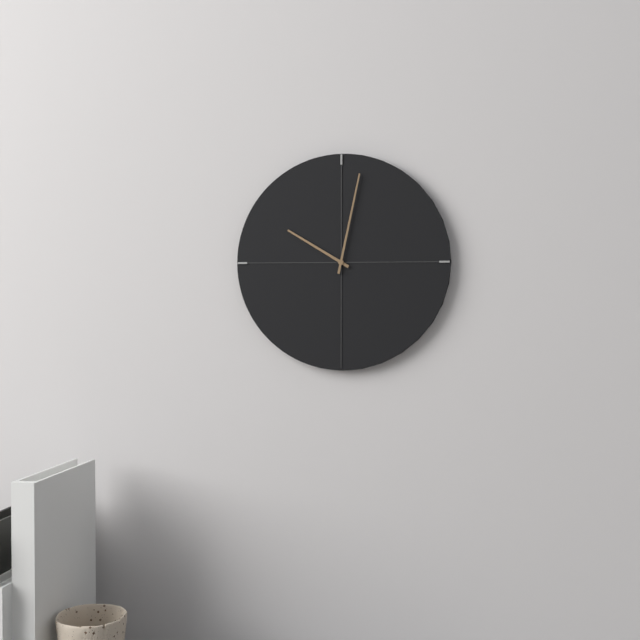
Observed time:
{"hour": 10, "minute": 2}
